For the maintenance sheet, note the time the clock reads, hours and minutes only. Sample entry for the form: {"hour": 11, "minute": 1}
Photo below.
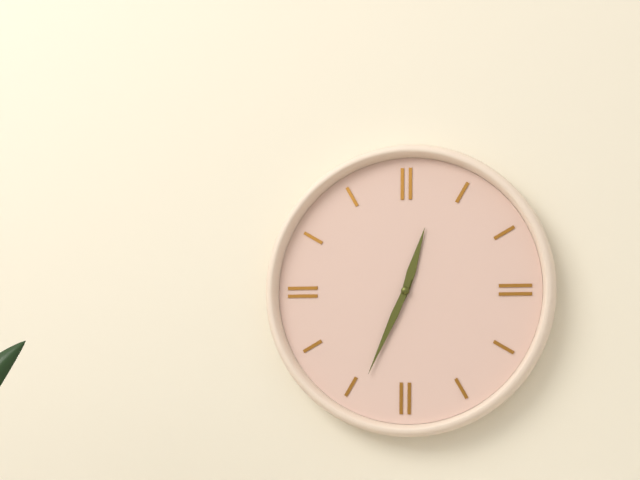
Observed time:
{"hour": 12, "minute": 34}
